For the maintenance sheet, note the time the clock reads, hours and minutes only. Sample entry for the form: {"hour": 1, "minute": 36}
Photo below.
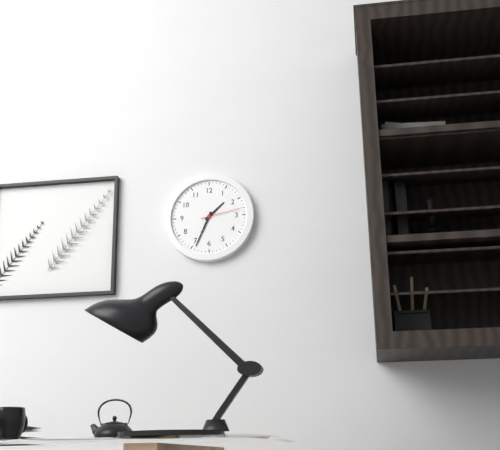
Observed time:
{"hour": 1, "minute": 34}
